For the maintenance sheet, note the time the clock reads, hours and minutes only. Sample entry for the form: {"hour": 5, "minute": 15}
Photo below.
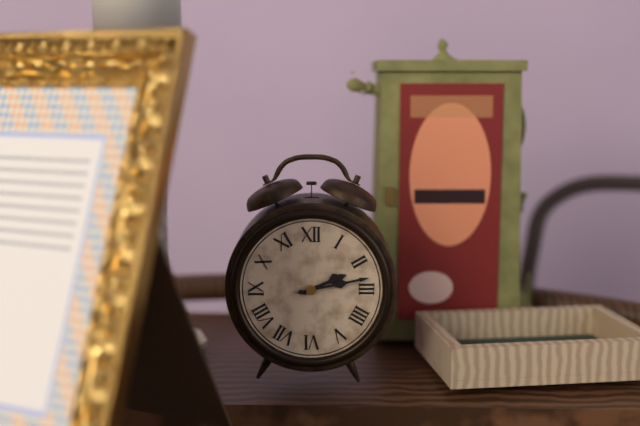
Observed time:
{"hour": 2, "minute": 13}
